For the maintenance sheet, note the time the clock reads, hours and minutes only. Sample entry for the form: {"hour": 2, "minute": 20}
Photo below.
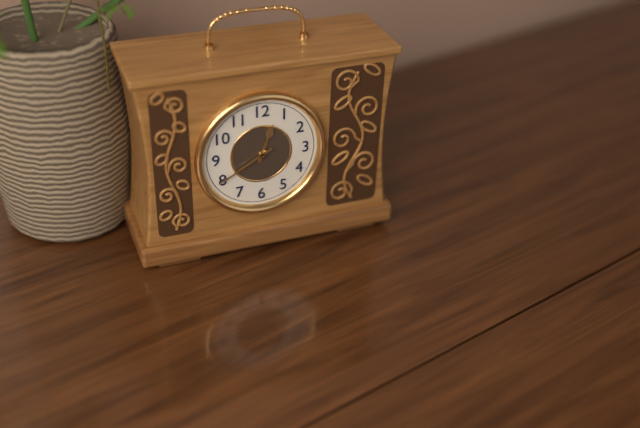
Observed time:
{"hour": 12, "minute": 40}
